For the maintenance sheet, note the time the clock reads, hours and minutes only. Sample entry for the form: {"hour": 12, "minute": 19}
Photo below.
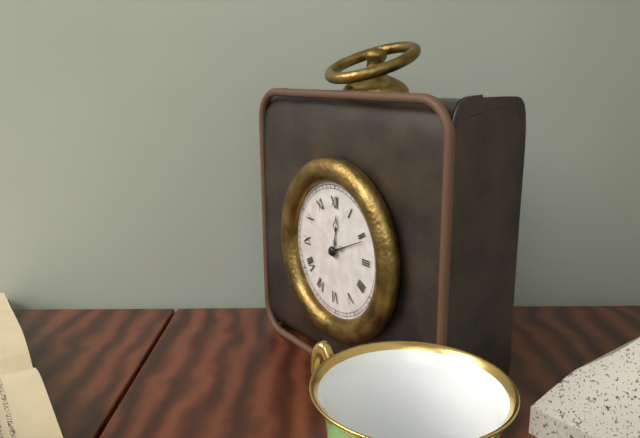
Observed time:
{"hour": 12, "minute": 11}
